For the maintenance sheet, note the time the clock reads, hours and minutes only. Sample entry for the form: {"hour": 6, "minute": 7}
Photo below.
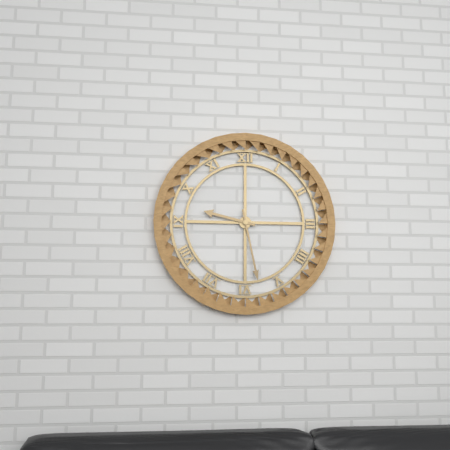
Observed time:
{"hour": 9, "minute": 28}
